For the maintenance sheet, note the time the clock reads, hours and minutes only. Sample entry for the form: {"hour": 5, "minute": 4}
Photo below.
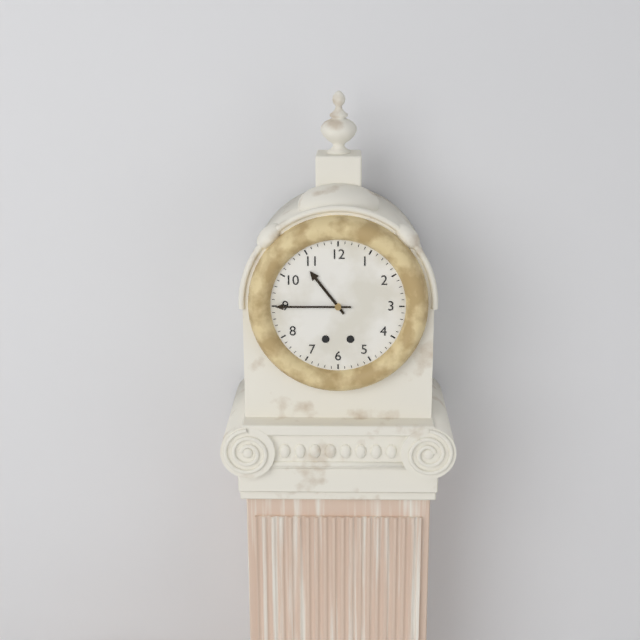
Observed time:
{"hour": 10, "minute": 45}
